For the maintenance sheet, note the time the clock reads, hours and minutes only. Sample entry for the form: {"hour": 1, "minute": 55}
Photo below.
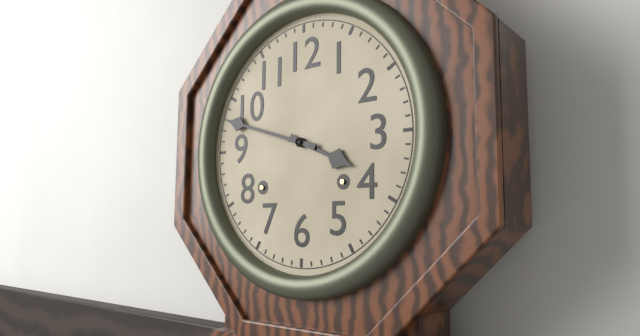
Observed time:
{"hour": 3, "minute": 48}
